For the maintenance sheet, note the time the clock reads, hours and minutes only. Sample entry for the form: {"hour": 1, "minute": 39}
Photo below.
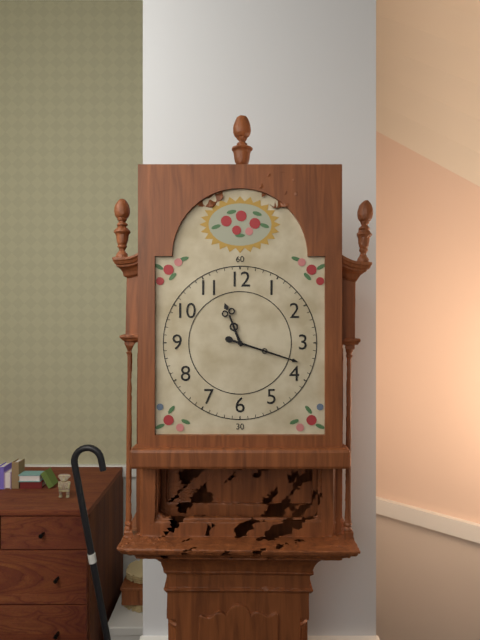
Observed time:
{"hour": 11, "minute": 18}
